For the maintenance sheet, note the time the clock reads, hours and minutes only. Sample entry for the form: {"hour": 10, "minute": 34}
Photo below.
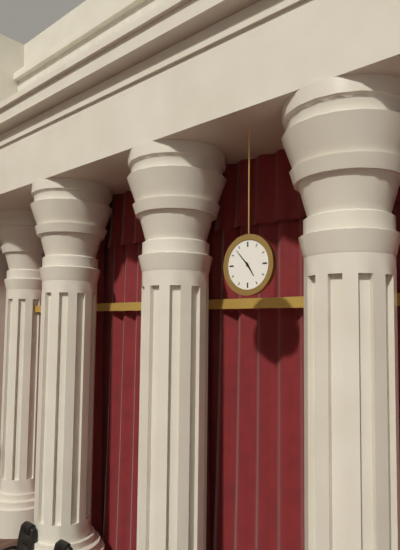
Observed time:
{"hour": 4, "minute": 53}
